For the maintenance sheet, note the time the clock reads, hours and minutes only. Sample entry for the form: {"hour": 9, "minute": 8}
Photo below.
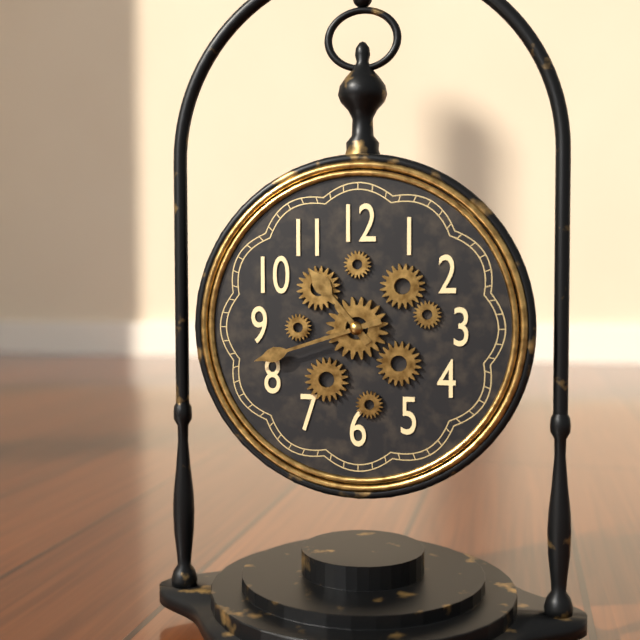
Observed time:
{"hour": 10, "minute": 42}
